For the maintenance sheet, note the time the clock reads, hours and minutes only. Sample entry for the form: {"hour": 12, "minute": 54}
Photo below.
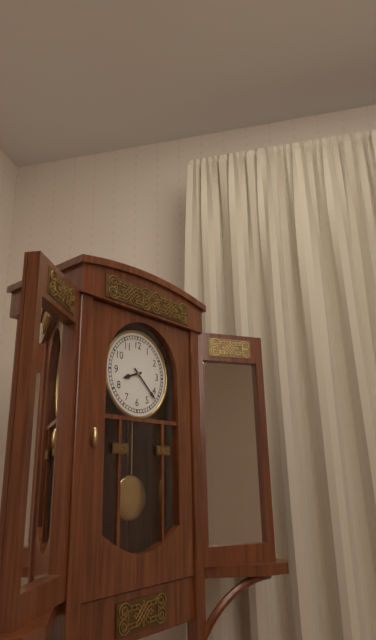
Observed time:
{"hour": 8, "minute": 22}
